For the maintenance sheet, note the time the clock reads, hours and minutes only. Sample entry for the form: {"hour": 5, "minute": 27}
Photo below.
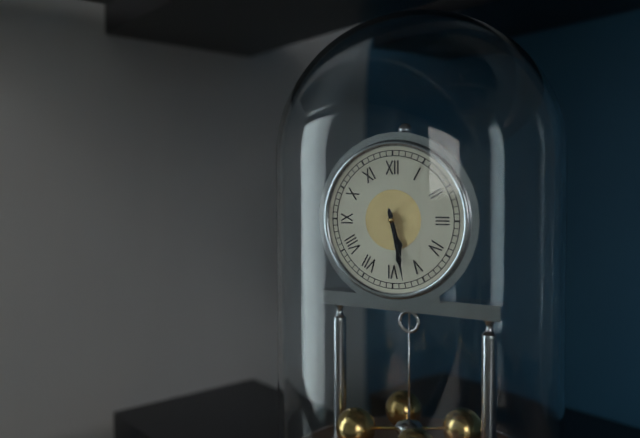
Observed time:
{"hour": 5, "minute": 28}
